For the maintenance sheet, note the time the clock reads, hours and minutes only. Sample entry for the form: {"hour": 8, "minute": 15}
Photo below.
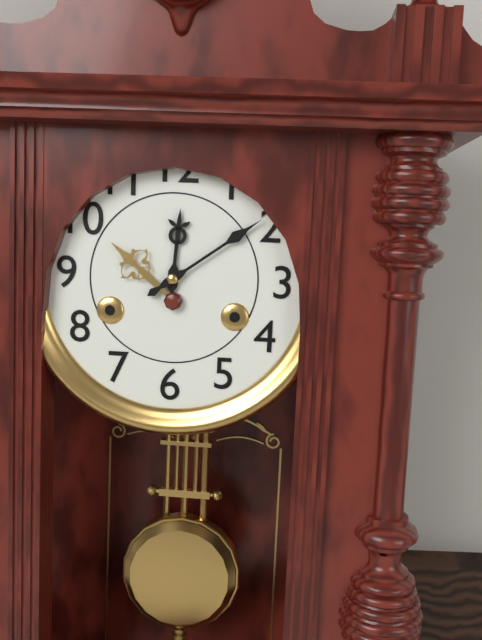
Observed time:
{"hour": 12, "minute": 9}
